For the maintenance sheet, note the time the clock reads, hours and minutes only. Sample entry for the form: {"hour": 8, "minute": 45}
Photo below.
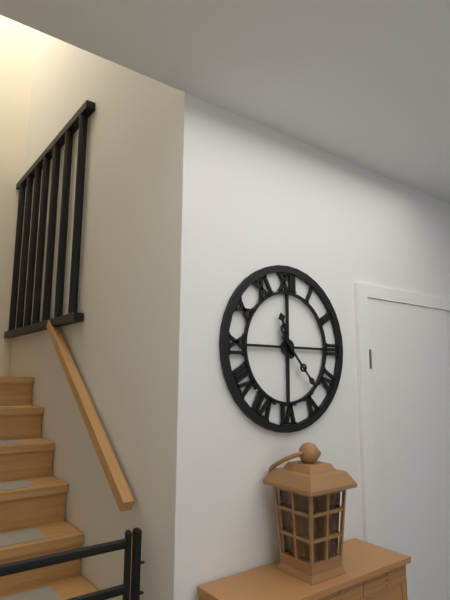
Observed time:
{"hour": 11, "minute": 23}
